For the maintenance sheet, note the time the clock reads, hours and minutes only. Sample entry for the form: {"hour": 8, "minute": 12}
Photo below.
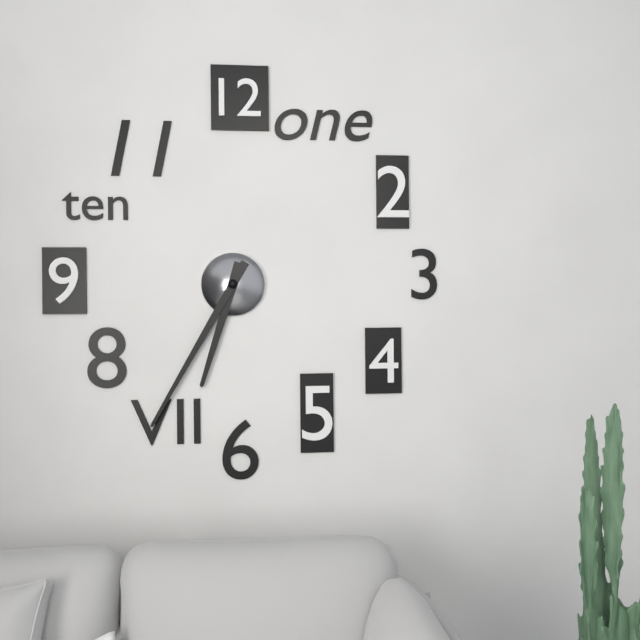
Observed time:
{"hour": 6, "minute": 35}
